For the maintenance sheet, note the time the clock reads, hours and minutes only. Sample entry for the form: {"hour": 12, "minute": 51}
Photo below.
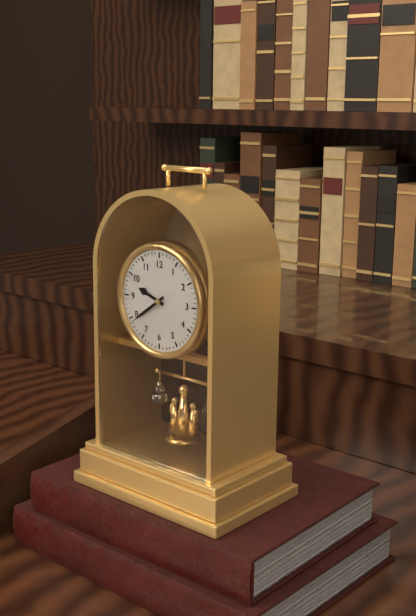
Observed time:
{"hour": 9, "minute": 39}
